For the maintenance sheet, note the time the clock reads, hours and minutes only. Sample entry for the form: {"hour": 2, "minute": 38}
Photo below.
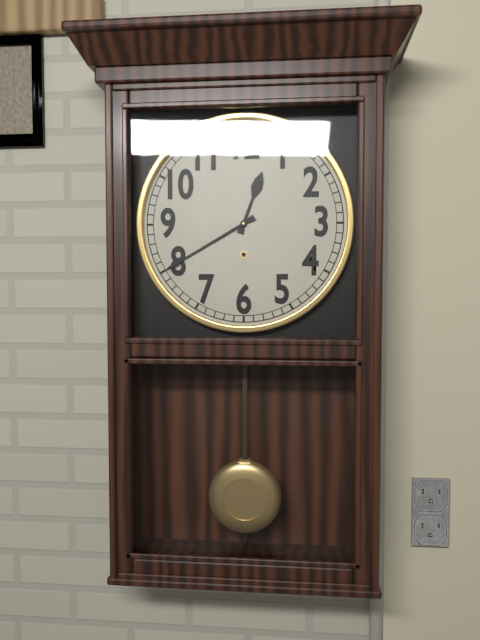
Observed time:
{"hour": 12, "minute": 40}
